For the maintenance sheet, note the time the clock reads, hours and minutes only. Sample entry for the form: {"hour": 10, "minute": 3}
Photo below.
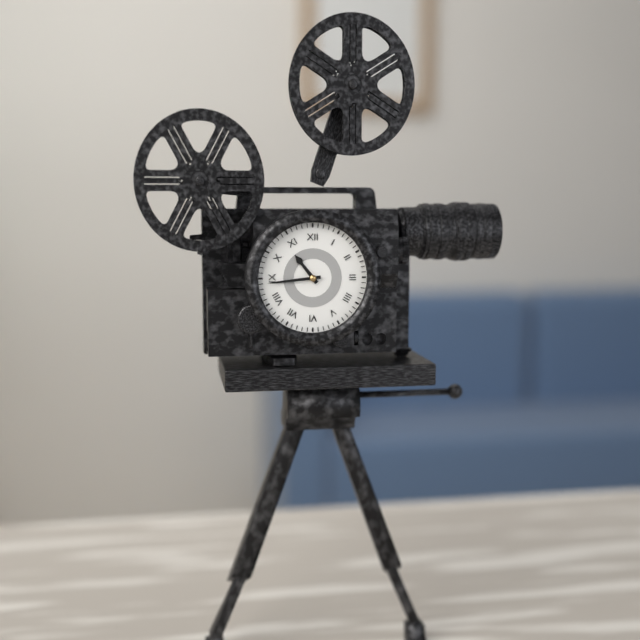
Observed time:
{"hour": 10, "minute": 44}
